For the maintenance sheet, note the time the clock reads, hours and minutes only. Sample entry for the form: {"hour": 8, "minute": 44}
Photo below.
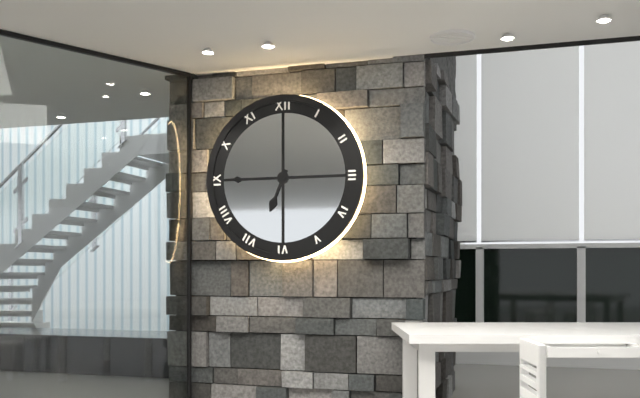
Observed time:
{"hour": 6, "minute": 45}
